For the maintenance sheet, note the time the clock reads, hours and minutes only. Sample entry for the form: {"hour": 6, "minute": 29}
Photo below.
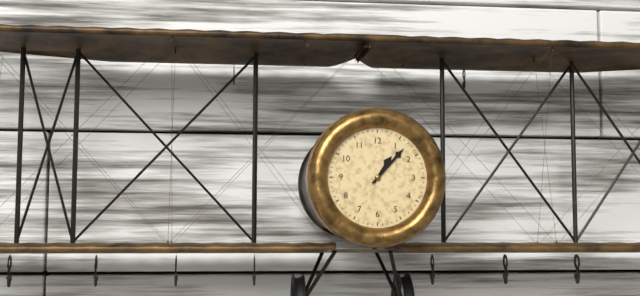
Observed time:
{"hour": 1, "minute": 7}
